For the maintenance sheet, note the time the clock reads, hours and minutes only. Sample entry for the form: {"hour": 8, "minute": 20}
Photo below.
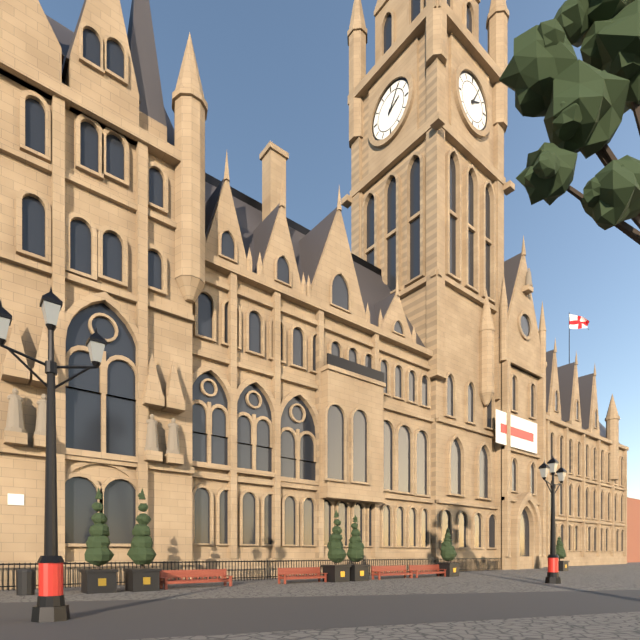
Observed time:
{"hour": 2, "minute": 5}
